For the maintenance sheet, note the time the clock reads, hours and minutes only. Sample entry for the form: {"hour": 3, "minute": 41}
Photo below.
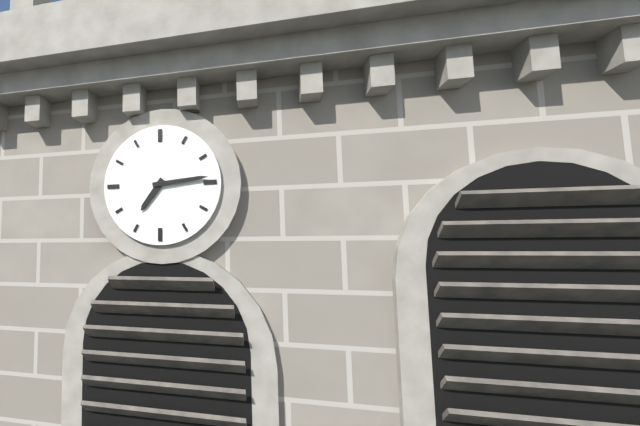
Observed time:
{"hour": 7, "minute": 14}
